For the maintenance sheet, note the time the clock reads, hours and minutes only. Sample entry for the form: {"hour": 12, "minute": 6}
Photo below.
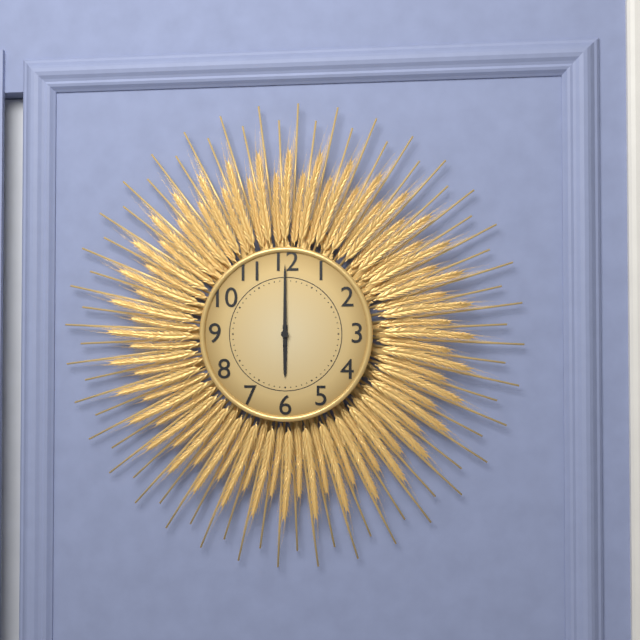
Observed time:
{"hour": 6, "minute": 0}
